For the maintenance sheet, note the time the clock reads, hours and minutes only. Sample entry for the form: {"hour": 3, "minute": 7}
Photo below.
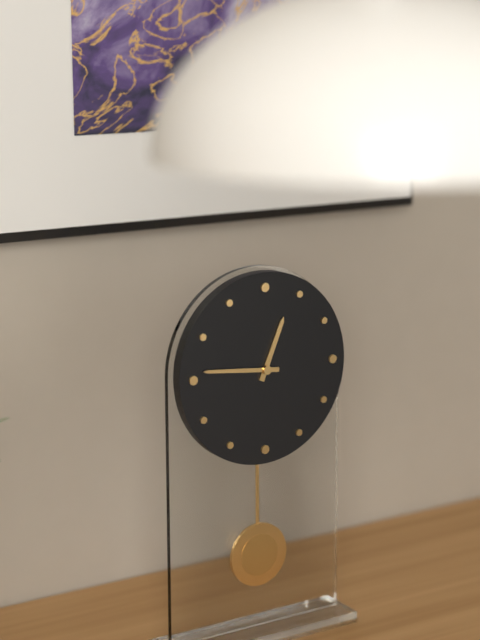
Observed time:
{"hour": 12, "minute": 46}
